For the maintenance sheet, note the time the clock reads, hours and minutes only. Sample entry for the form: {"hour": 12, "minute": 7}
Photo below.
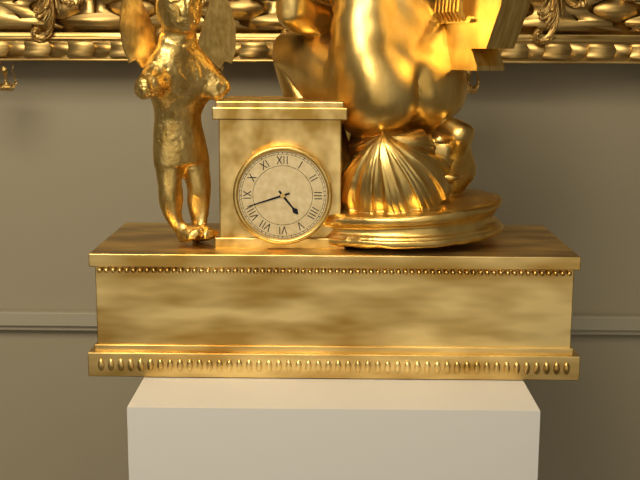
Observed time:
{"hour": 4, "minute": 42}
